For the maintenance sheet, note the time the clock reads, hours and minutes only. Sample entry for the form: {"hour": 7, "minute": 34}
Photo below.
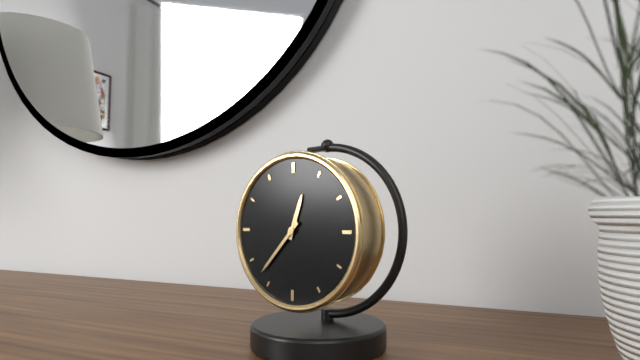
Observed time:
{"hour": 12, "minute": 37}
